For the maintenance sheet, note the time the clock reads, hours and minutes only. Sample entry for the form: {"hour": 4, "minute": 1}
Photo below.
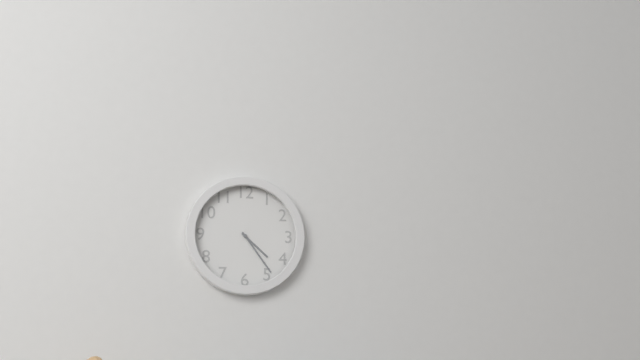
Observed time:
{"hour": 4, "minute": 24}
